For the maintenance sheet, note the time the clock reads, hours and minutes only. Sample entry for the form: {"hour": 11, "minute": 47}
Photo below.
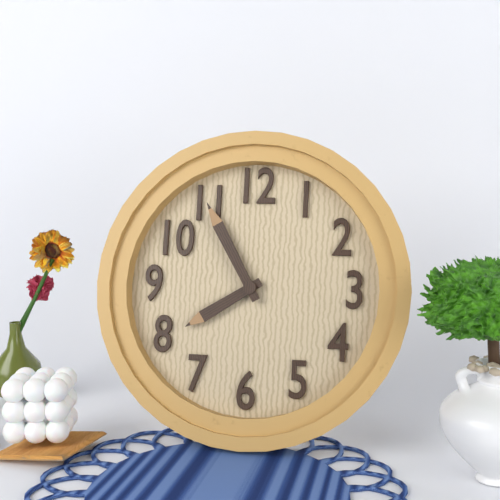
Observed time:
{"hour": 7, "minute": 55}
